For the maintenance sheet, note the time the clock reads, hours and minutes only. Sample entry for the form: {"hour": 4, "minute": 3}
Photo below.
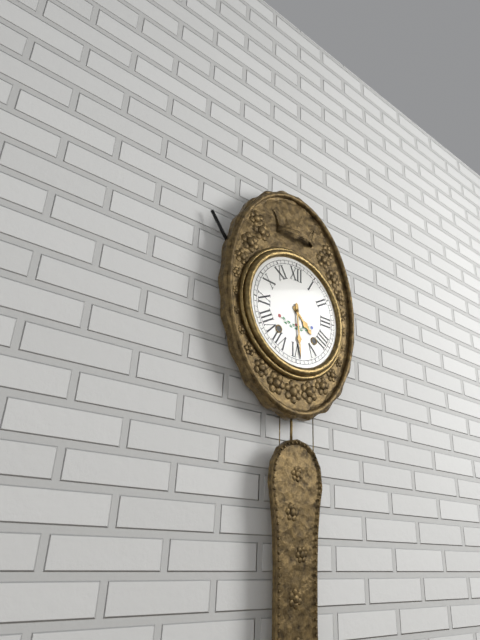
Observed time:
{"hour": 4, "minute": 29}
